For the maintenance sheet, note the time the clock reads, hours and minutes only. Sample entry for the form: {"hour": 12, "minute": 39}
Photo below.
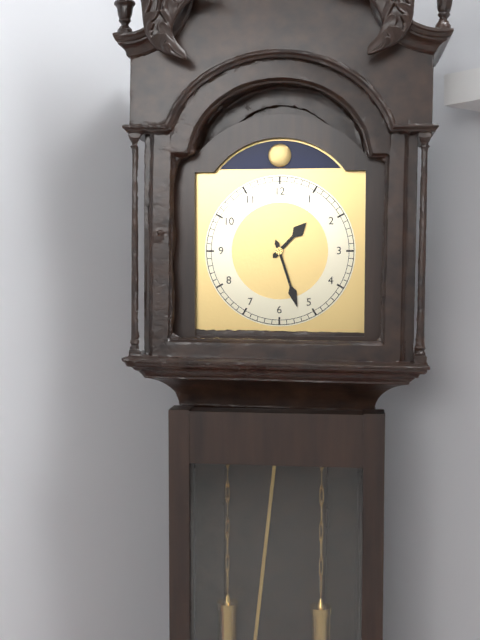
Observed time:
{"hour": 1, "minute": 27}
